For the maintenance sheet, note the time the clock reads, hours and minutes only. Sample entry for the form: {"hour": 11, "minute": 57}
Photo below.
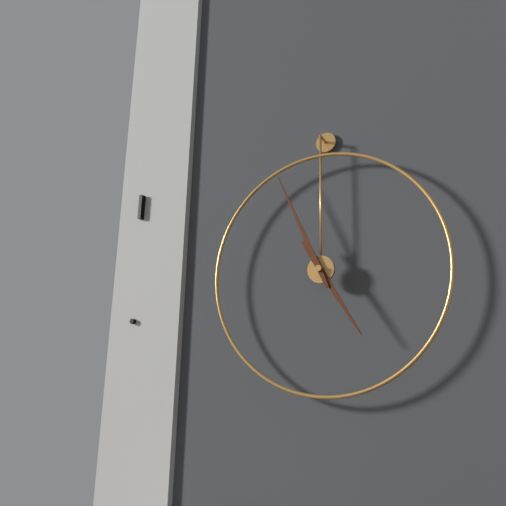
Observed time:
{"hour": 4, "minute": 56}
